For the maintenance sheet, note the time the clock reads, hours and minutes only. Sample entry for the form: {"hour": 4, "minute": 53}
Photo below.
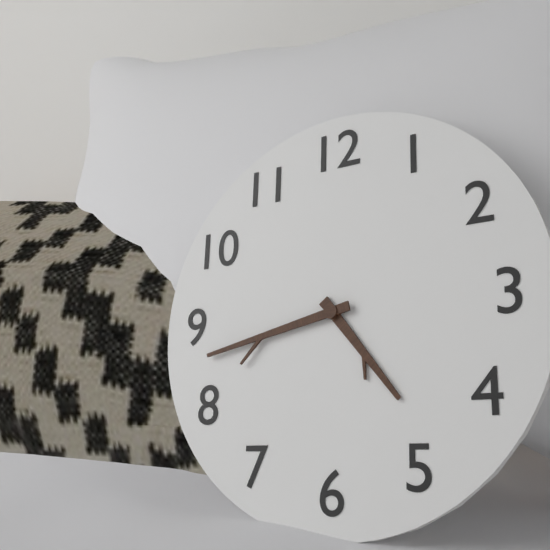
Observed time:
{"hour": 4, "minute": 43}
